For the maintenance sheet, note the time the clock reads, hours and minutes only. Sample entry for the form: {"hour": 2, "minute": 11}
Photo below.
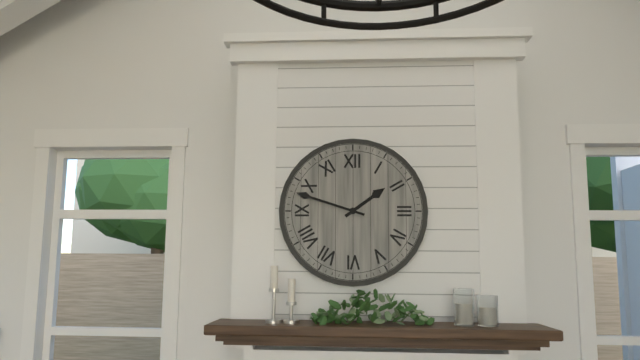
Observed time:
{"hour": 1, "minute": 48}
